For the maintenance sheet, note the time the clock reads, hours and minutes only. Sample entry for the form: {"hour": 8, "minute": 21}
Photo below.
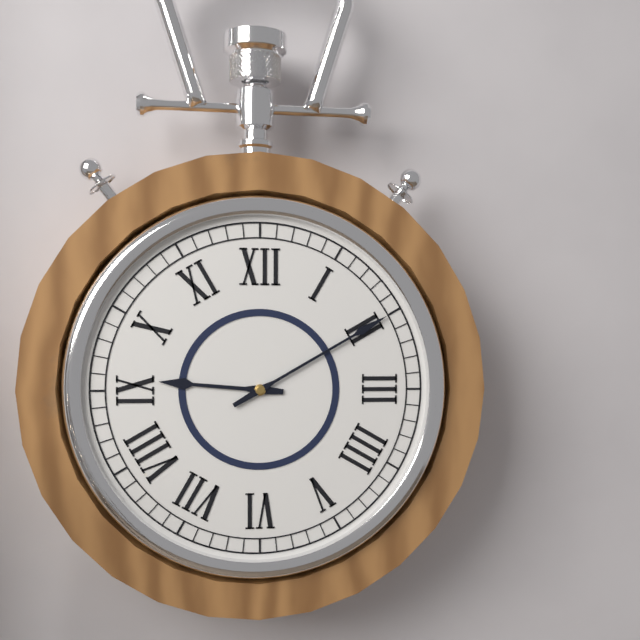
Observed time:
{"hour": 9, "minute": 10}
